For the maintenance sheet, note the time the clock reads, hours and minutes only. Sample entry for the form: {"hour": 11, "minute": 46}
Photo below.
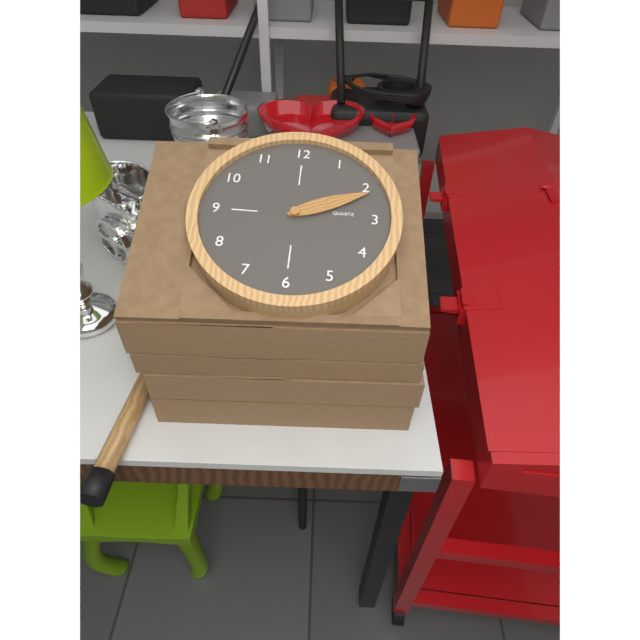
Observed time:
{"hour": 2, "minute": 11}
